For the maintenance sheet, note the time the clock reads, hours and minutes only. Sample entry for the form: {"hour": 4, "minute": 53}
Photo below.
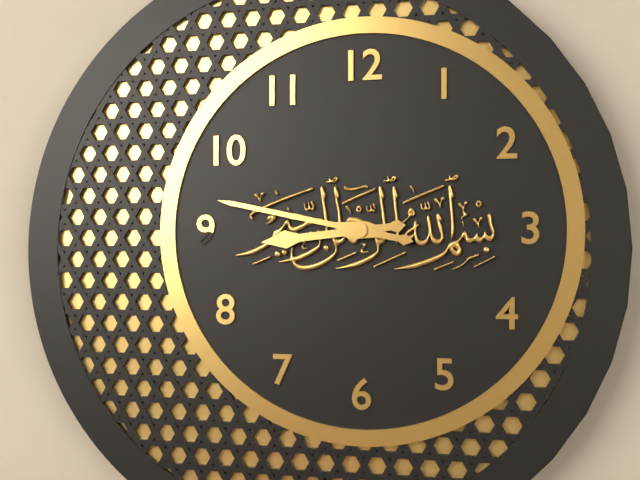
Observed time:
{"hour": 8, "minute": 47}
